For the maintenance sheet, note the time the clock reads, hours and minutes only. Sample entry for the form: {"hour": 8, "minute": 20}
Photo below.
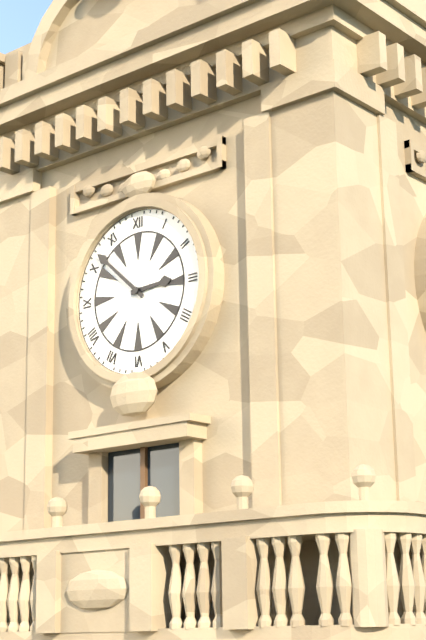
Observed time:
{"hour": 2, "minute": 52}
